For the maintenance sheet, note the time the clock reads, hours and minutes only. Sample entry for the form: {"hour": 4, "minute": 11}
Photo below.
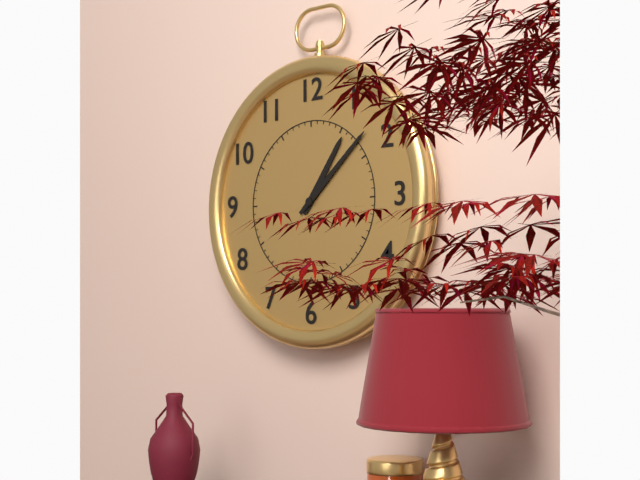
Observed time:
{"hour": 1, "minute": 8}
